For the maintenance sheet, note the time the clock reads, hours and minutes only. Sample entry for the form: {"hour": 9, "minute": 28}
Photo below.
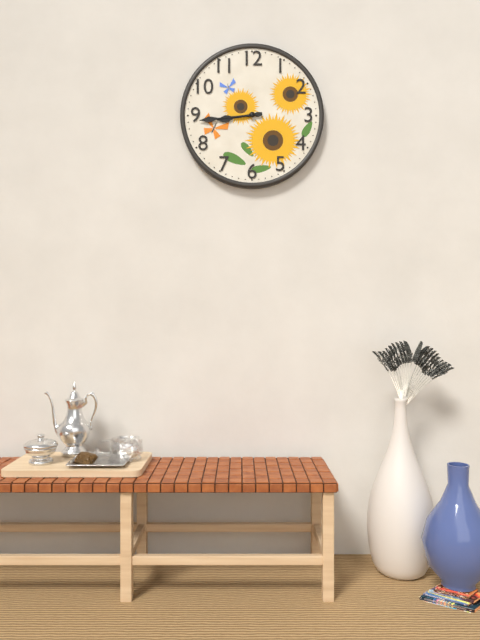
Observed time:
{"hour": 8, "minute": 44}
